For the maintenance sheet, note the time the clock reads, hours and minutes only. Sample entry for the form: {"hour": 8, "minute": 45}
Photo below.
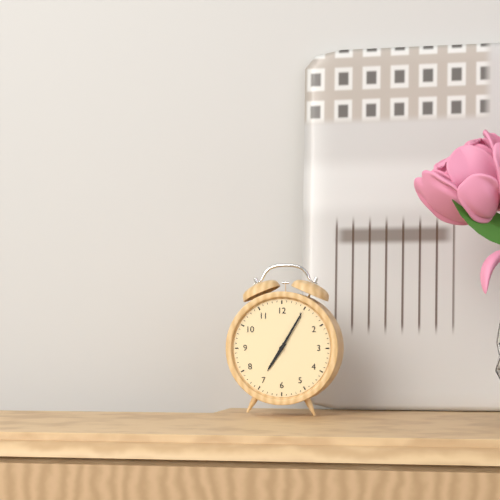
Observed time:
{"hour": 7, "minute": 5}
